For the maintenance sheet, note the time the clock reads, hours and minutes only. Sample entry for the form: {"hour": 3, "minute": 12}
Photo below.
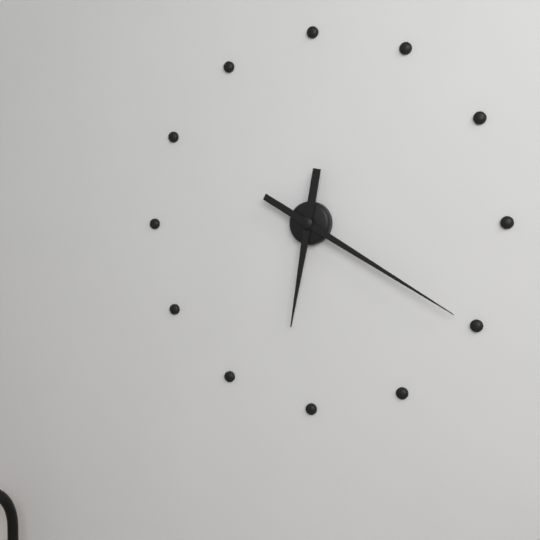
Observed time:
{"hour": 6, "minute": 20}
